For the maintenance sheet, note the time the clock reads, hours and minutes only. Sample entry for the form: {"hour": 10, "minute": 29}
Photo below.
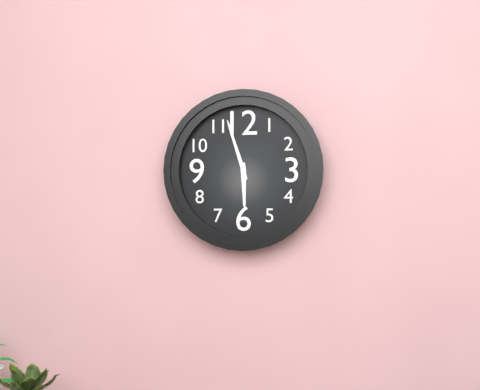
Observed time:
{"hour": 5, "minute": 57}
